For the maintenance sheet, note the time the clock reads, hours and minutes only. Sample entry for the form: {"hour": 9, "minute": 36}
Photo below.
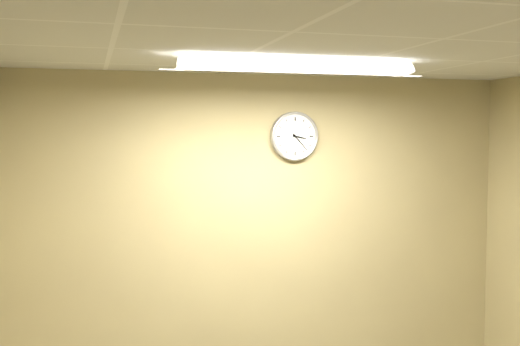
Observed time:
{"hour": 3, "minute": 23}
